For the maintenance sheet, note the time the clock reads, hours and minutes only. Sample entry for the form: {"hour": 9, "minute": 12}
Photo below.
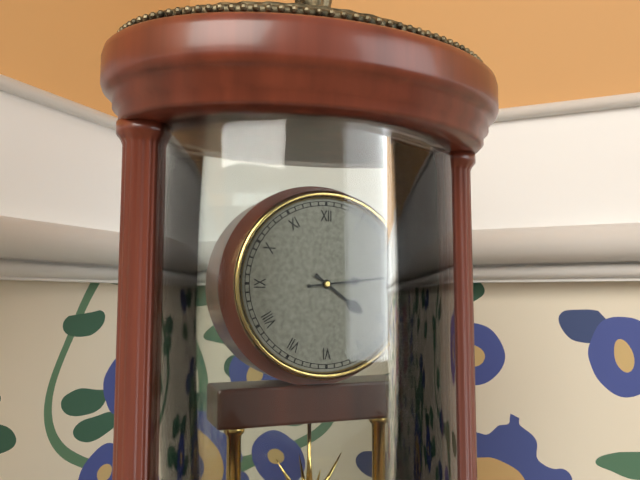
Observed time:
{"hour": 4, "minute": 14}
